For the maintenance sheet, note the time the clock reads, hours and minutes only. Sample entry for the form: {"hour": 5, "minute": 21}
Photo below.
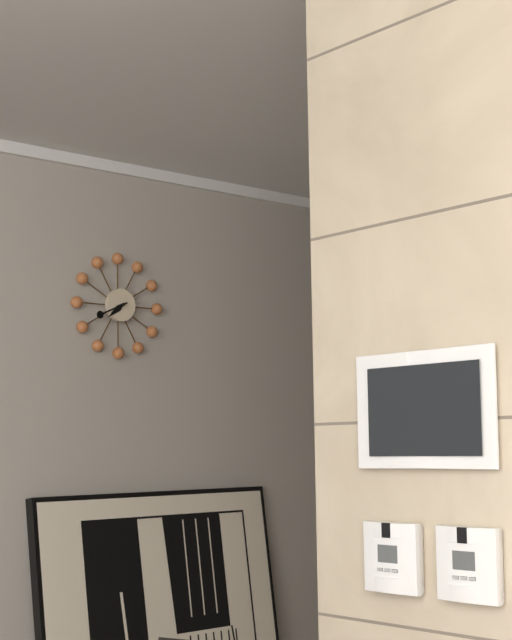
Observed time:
{"hour": 7, "minute": 41}
